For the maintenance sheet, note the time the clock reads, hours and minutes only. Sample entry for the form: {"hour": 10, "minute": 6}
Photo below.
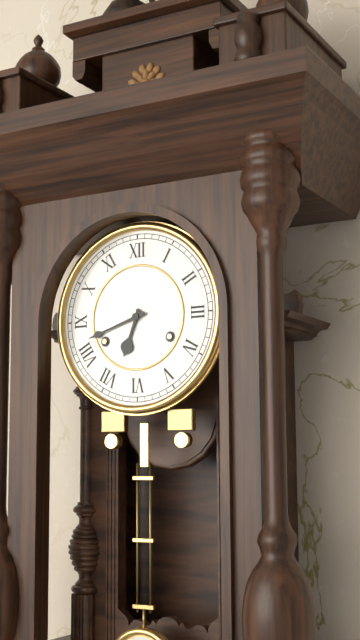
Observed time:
{"hour": 6, "minute": 42}
